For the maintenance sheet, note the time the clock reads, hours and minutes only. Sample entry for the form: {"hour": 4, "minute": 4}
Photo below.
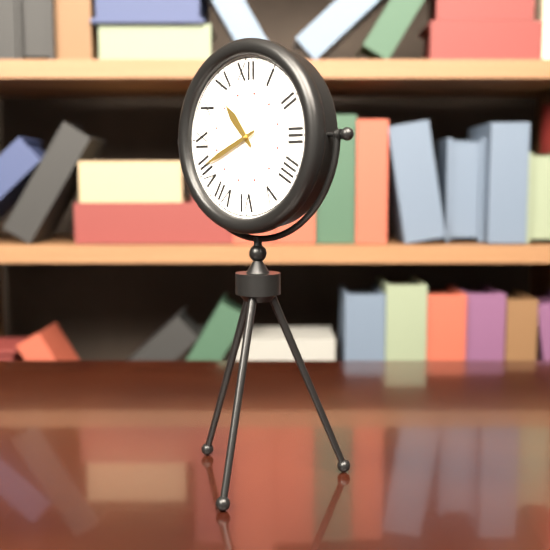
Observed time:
{"hour": 10, "minute": 41}
